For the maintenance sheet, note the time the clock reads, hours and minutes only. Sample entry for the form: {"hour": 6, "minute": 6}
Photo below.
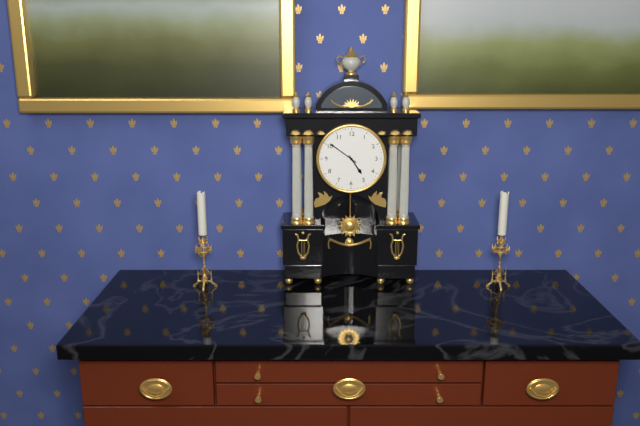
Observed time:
{"hour": 4, "minute": 51}
